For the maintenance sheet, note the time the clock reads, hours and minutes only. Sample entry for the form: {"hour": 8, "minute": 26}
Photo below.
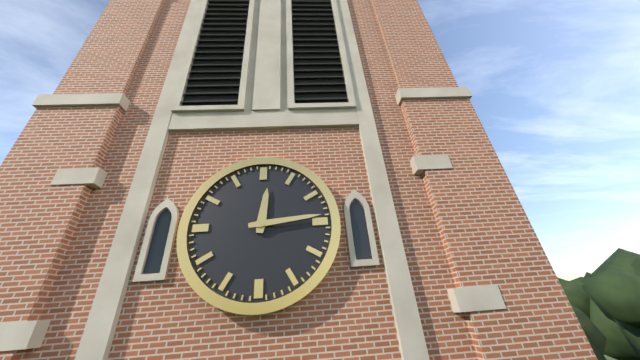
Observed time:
{"hour": 12, "minute": 14}
